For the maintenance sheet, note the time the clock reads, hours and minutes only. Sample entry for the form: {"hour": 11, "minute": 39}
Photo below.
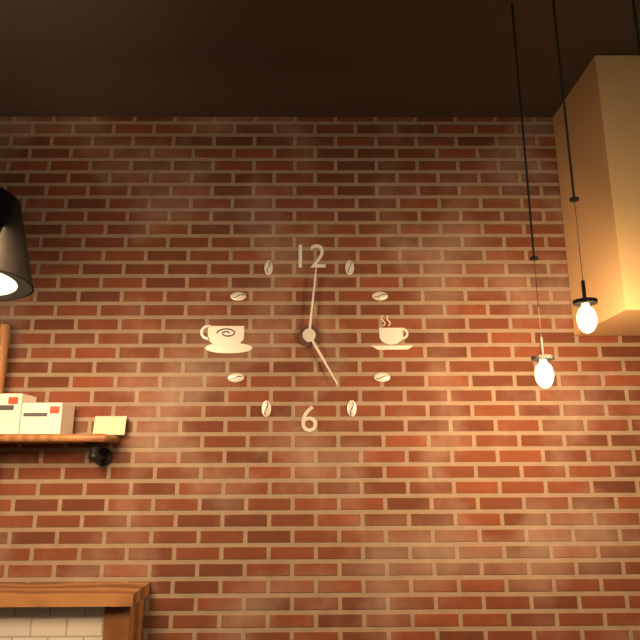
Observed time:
{"hour": 5, "minute": 1}
